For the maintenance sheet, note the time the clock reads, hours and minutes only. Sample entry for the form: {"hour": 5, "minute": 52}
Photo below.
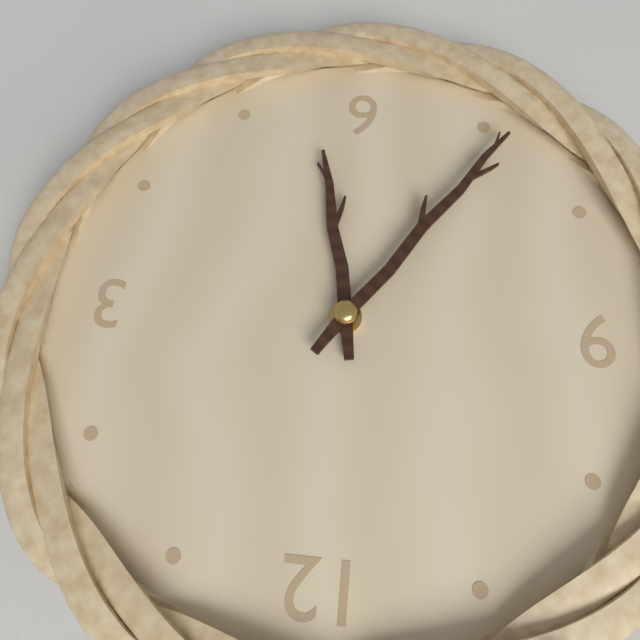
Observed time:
{"hour": 5, "minute": 36}
